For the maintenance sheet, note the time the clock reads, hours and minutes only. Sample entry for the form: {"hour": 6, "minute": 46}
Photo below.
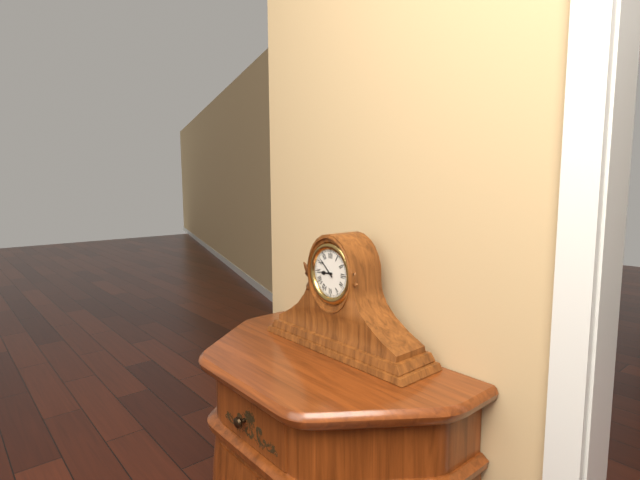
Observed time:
{"hour": 8, "minute": 52}
